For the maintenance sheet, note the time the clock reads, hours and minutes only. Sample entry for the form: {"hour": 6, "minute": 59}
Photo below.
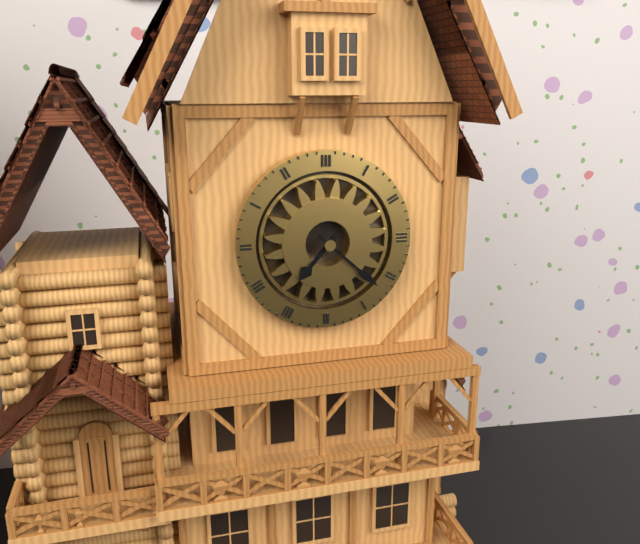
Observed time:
{"hour": 7, "minute": 22}
